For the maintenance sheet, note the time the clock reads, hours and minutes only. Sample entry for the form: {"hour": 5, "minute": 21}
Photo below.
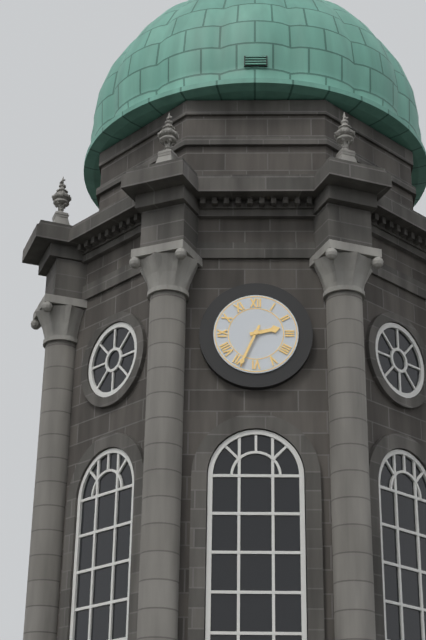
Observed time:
{"hour": 2, "minute": 34}
